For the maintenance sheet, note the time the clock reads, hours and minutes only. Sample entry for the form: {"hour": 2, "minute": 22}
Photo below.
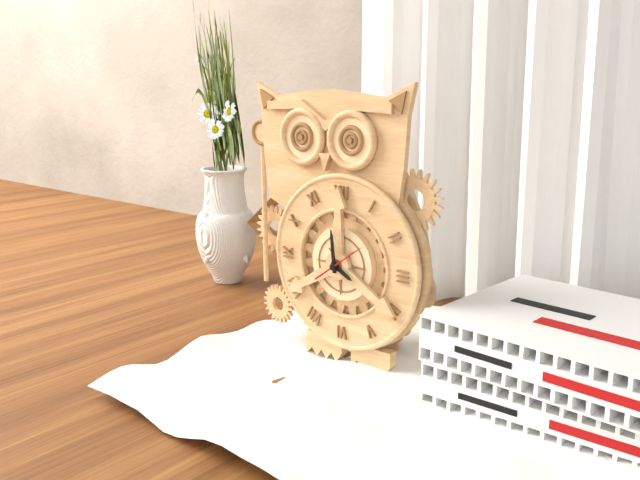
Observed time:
{"hour": 3, "minute": 59}
